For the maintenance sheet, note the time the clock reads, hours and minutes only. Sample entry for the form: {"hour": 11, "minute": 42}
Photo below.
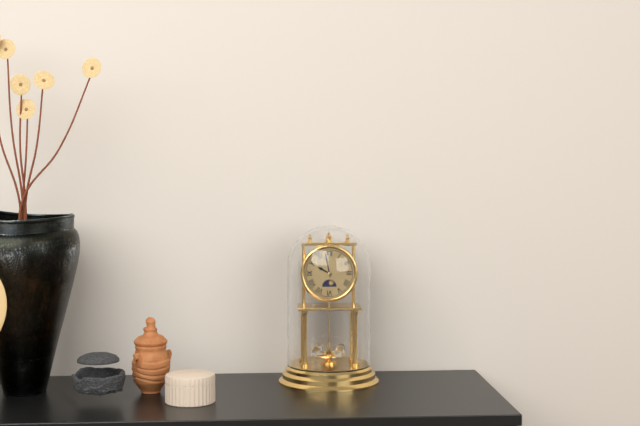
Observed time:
{"hour": 9, "minute": 58}
